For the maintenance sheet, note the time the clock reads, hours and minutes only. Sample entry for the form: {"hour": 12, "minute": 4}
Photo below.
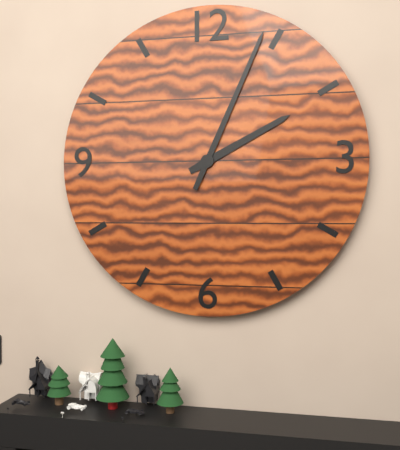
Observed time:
{"hour": 2, "minute": 4}
